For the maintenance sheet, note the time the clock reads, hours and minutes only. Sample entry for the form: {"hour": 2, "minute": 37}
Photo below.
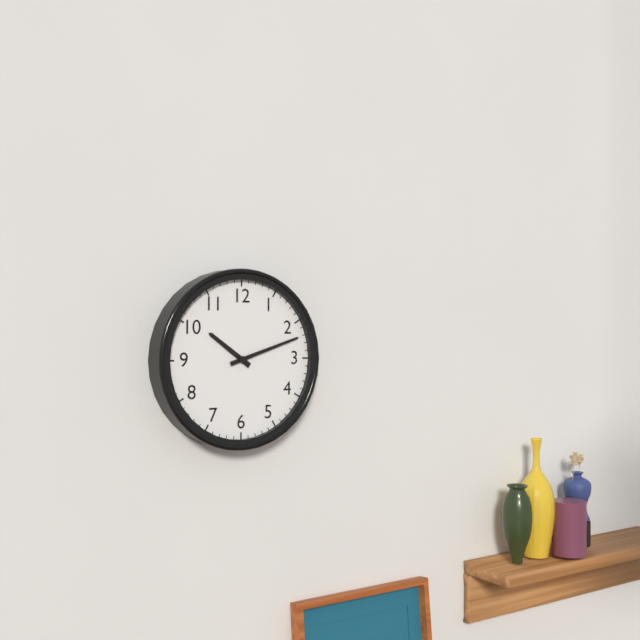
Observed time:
{"hour": 10, "minute": 12}
